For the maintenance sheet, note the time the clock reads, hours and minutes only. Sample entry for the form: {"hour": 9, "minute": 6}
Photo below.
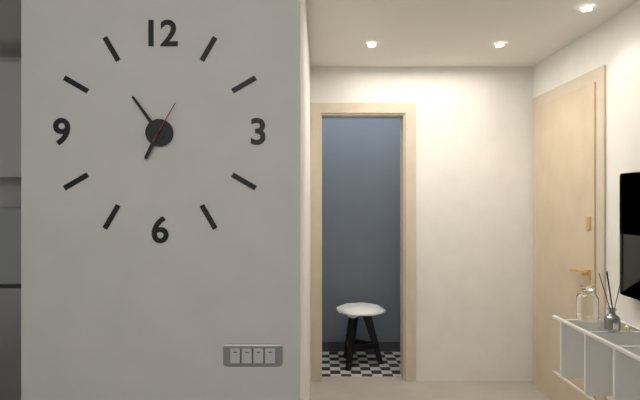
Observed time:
{"hour": 6, "minute": 54}
